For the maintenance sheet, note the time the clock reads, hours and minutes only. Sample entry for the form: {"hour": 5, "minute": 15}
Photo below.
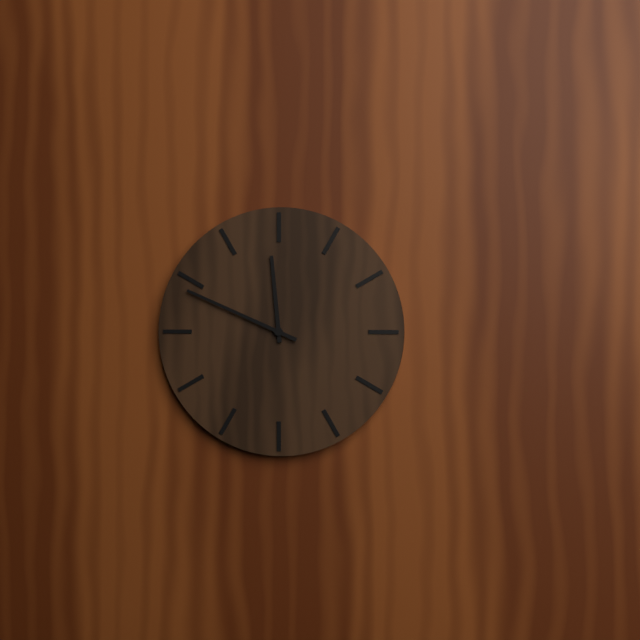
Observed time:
{"hour": 11, "minute": 49}
